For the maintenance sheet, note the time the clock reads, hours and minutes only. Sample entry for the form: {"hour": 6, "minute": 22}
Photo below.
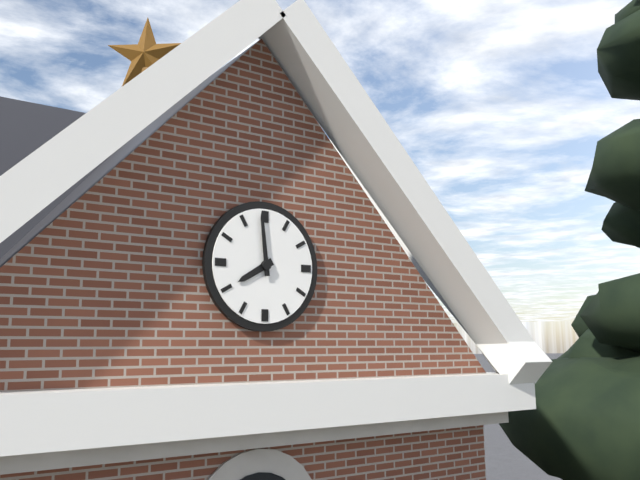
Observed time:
{"hour": 7, "minute": 59}
